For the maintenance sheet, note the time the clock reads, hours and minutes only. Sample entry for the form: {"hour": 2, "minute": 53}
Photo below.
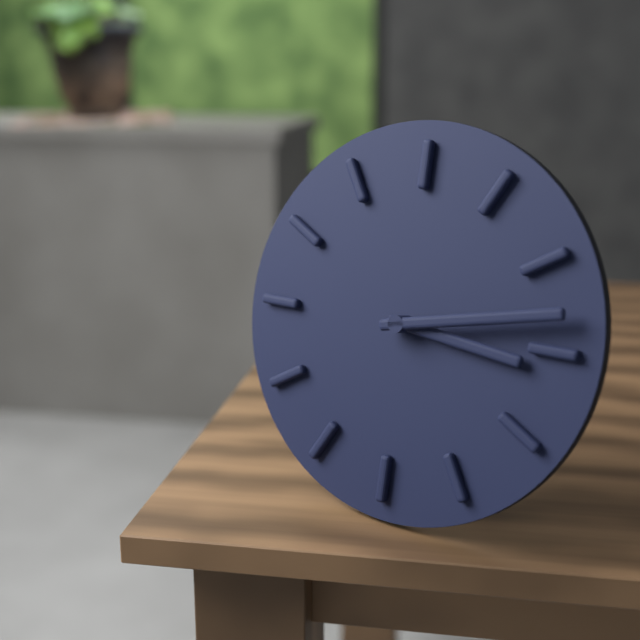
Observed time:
{"hour": 3, "minute": 13}
